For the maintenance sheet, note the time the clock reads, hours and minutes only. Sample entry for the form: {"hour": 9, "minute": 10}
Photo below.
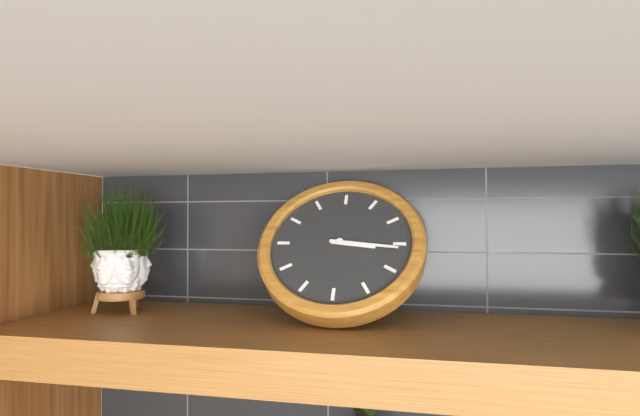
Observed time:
{"hour": 3, "minute": 16}
